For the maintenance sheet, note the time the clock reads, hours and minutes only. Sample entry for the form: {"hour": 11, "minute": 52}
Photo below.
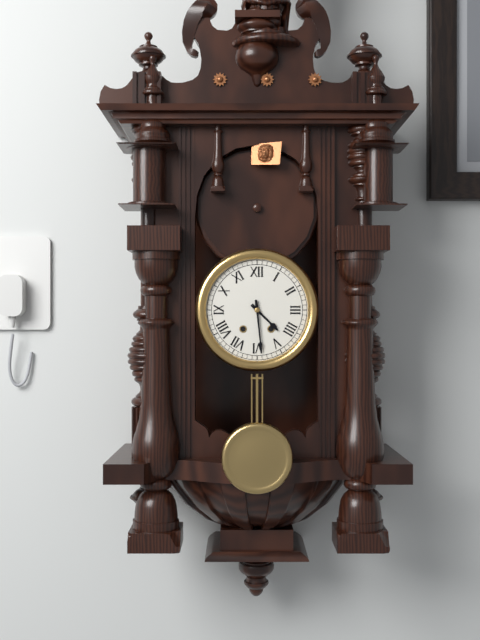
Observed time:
{"hour": 4, "minute": 29}
